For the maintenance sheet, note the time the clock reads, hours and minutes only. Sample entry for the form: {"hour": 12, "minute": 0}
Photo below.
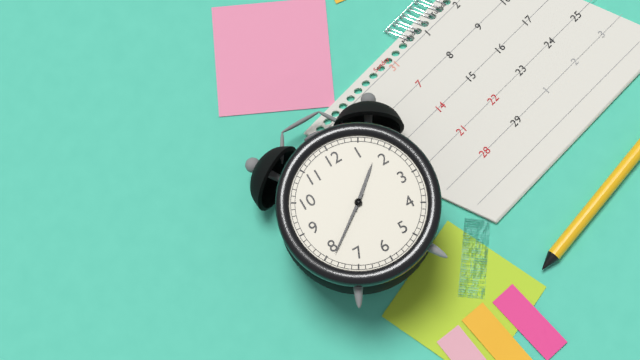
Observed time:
{"hour": 1, "minute": 39}
